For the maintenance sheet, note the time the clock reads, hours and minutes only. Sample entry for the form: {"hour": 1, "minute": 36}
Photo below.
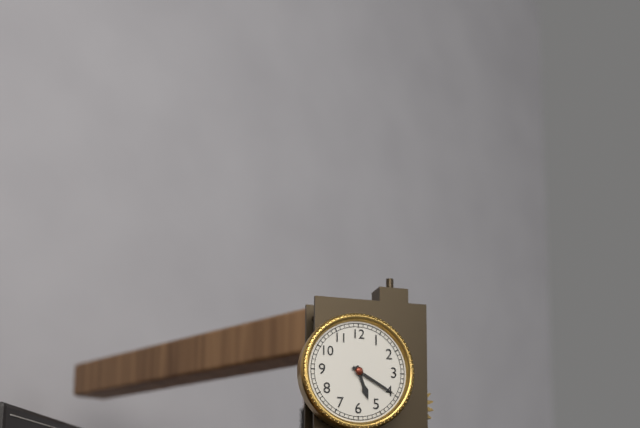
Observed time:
{"hour": 5, "minute": 20}
